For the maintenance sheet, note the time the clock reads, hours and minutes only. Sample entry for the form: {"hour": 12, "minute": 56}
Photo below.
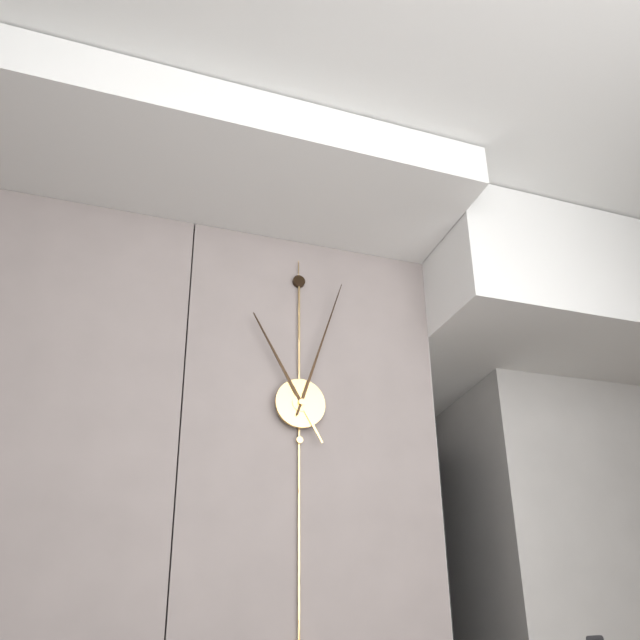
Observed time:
{"hour": 11, "minute": 3}
